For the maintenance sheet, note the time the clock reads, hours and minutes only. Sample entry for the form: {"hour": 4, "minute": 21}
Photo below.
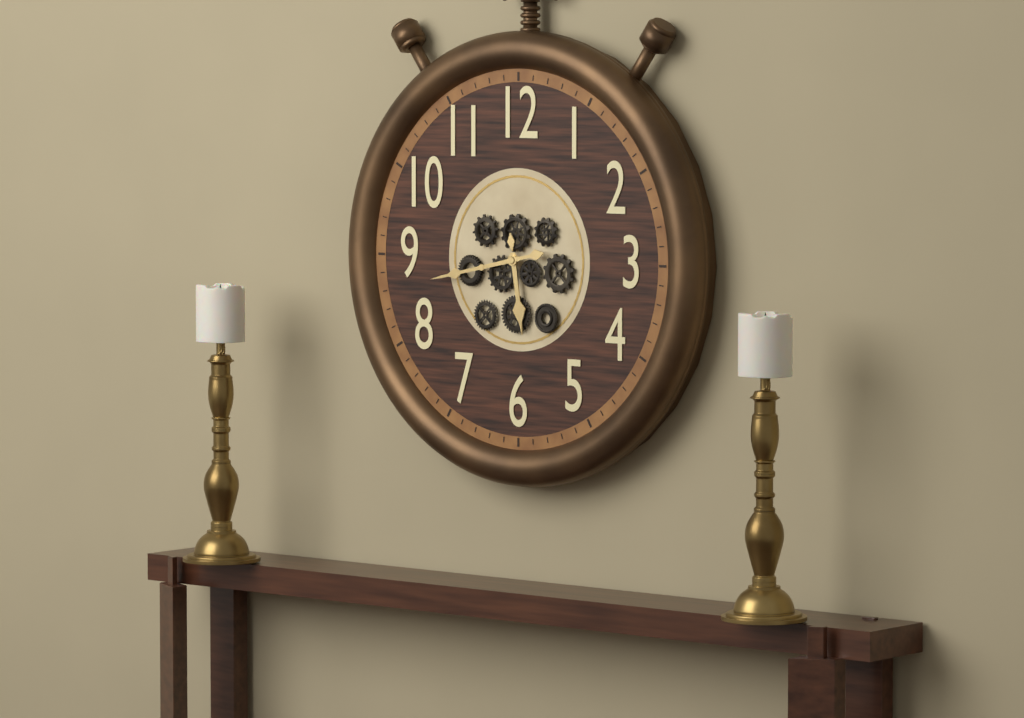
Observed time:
{"hour": 5, "minute": 43}
